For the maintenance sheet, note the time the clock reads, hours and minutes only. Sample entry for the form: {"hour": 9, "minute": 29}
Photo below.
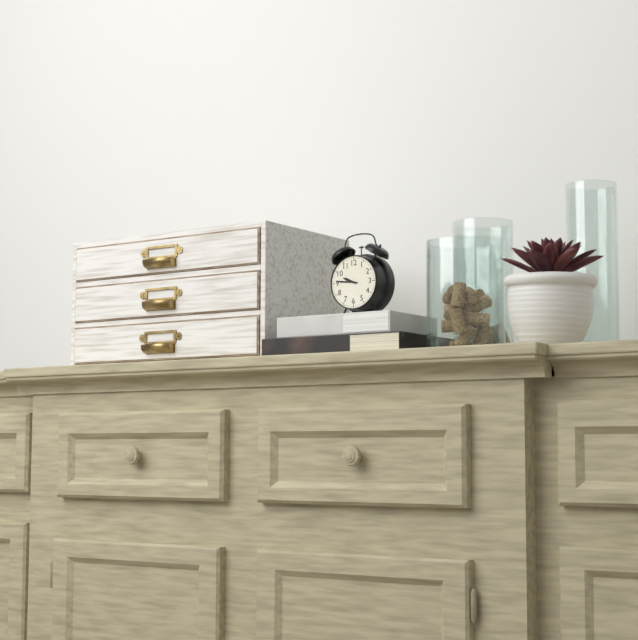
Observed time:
{"hour": 9, "minute": 46}
